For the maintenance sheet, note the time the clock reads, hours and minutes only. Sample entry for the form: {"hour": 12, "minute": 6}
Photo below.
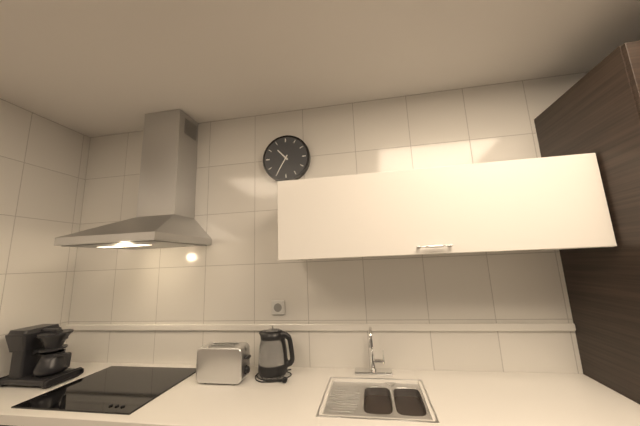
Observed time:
{"hour": 10, "minute": 35}
